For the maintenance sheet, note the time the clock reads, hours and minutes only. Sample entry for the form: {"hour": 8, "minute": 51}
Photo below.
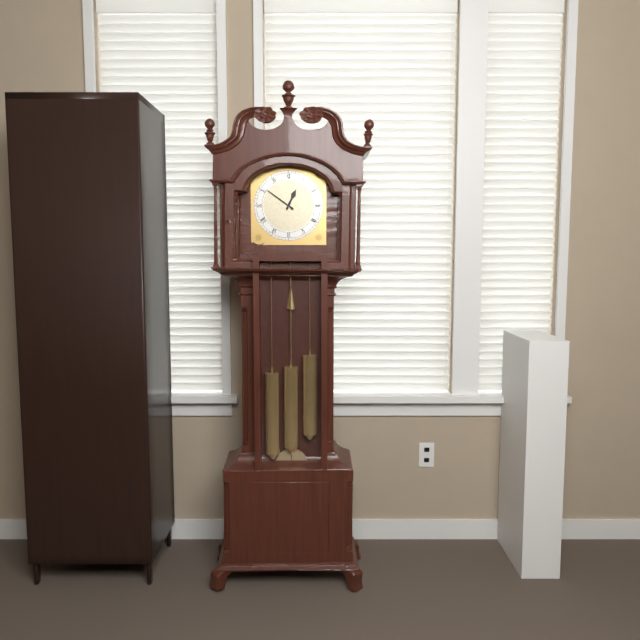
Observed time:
{"hour": 12, "minute": 51}
